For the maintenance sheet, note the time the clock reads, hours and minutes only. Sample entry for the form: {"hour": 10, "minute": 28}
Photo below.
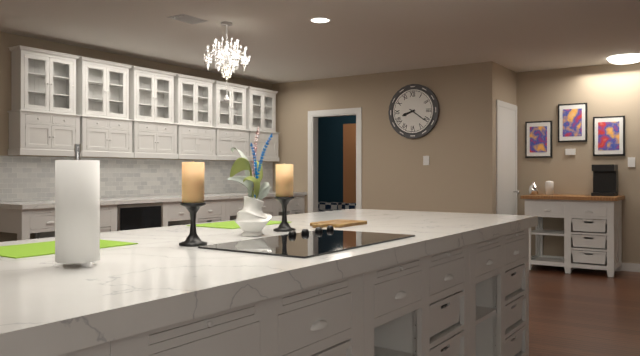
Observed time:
{"hour": 8, "minute": 21}
